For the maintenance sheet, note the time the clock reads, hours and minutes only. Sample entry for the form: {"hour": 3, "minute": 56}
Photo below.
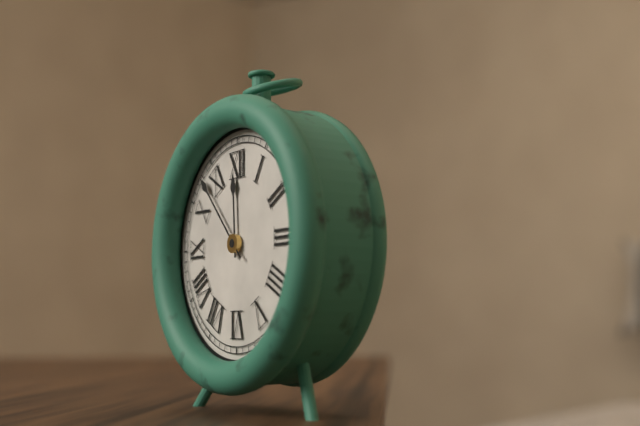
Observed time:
{"hour": 11, "minute": 53}
